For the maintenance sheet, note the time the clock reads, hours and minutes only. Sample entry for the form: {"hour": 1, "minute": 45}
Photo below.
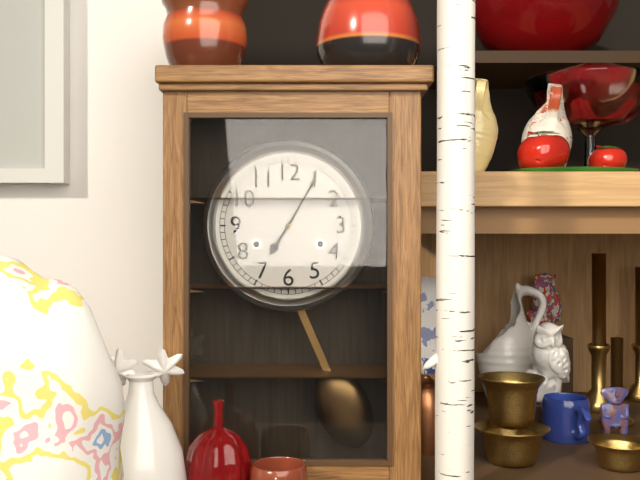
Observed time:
{"hour": 7, "minute": 5}
